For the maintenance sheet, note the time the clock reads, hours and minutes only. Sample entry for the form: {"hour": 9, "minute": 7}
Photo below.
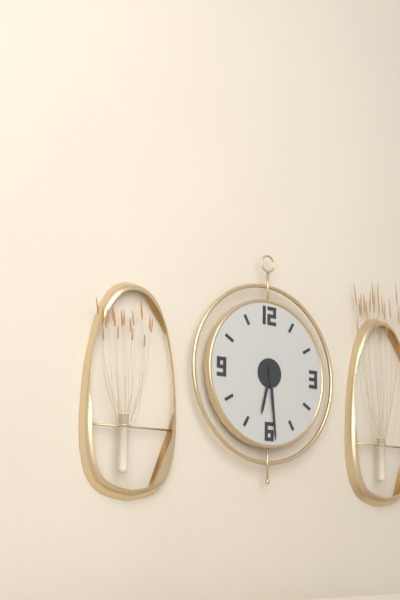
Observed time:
{"hour": 6, "minute": 29}
